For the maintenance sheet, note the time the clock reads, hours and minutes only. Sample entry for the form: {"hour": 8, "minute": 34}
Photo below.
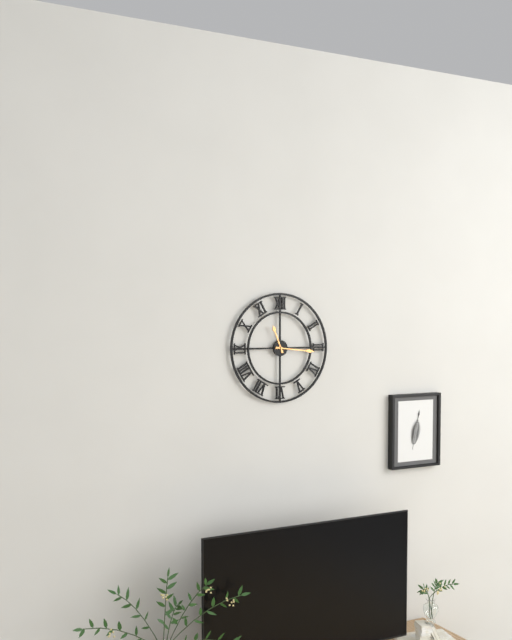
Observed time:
{"hour": 11, "minute": 16}
